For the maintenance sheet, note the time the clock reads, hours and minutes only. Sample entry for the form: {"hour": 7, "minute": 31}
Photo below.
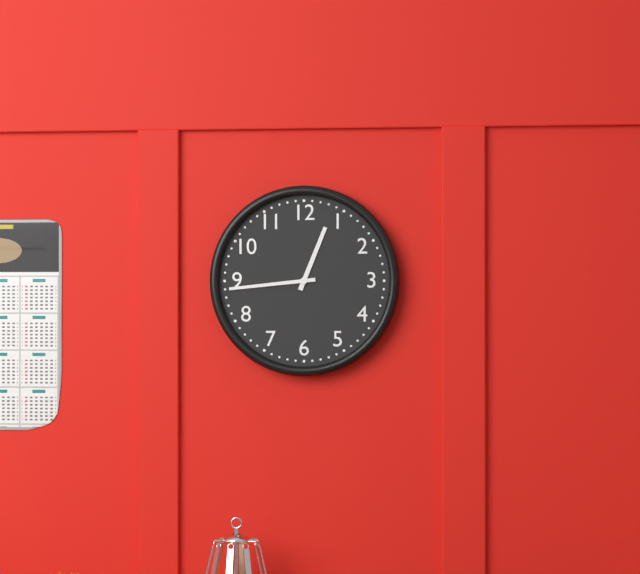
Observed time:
{"hour": 12, "minute": 44}
